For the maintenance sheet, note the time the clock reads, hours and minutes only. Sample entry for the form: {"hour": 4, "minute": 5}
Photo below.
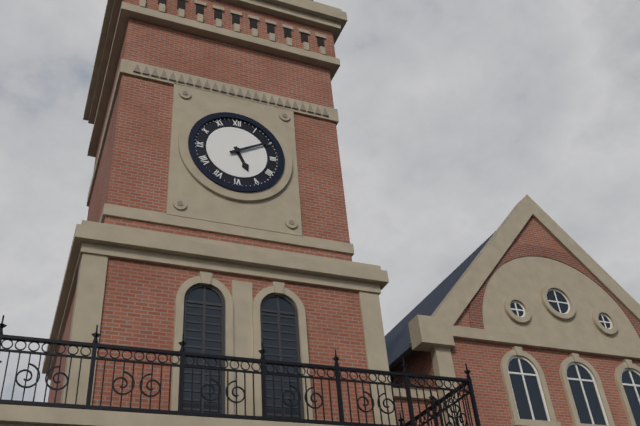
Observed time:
{"hour": 5, "minute": 10}
